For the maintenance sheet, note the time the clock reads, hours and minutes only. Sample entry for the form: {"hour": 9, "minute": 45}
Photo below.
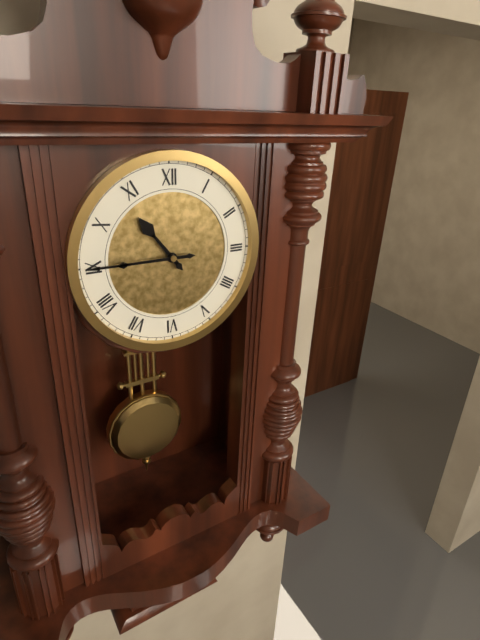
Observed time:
{"hour": 10, "minute": 45}
